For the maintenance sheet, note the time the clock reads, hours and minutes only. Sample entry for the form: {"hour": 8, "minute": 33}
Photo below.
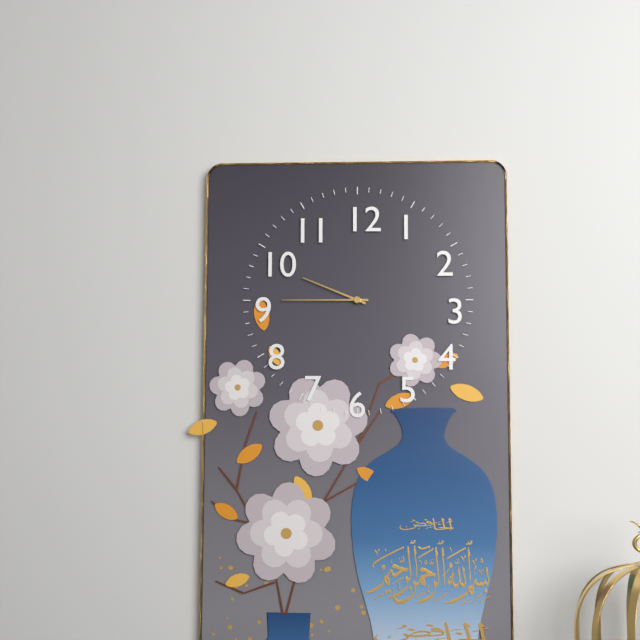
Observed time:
{"hour": 9, "minute": 45}
